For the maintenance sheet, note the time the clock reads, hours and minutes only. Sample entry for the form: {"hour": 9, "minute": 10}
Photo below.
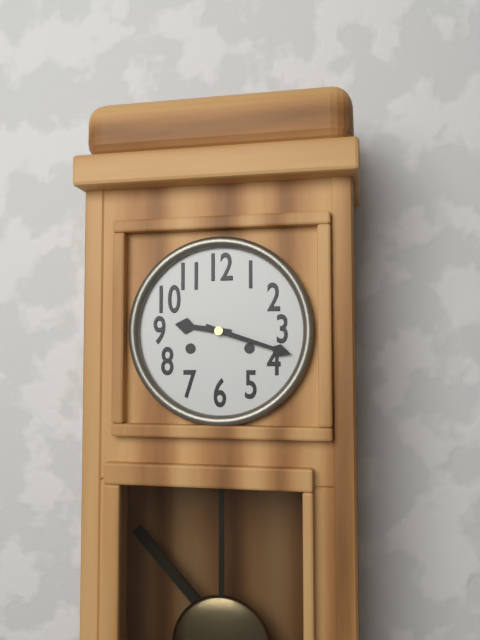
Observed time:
{"hour": 9, "minute": 18}
